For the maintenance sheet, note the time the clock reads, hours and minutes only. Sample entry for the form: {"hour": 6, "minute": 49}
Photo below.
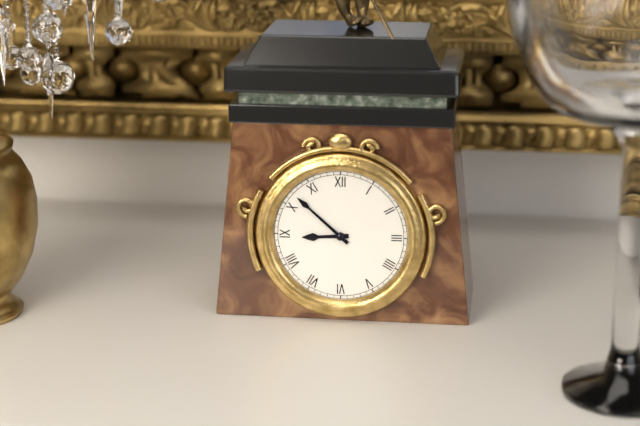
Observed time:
{"hour": 8, "minute": 52}
